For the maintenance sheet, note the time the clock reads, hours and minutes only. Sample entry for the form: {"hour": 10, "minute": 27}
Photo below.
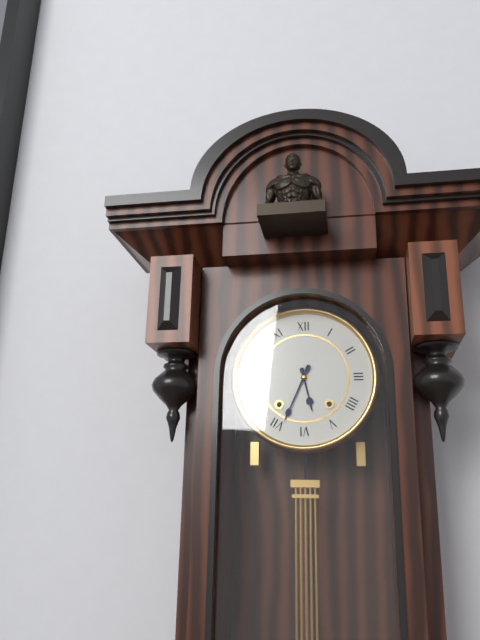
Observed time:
{"hour": 5, "minute": 34}
